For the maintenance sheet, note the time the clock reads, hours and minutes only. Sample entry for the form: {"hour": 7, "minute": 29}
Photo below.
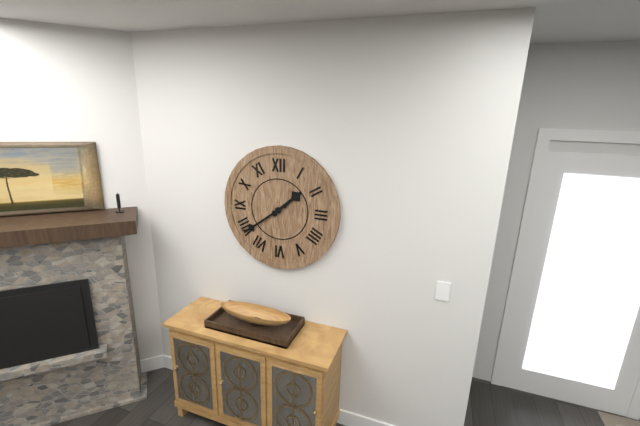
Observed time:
{"hour": 1, "minute": 39}
